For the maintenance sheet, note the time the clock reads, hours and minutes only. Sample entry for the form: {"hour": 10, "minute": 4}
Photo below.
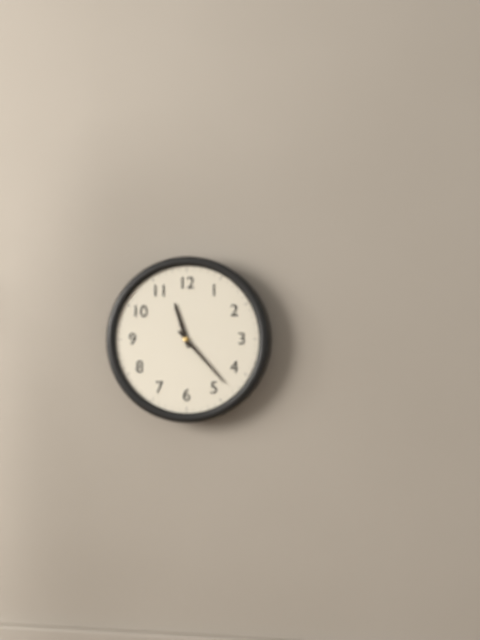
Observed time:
{"hour": 11, "minute": 23}
